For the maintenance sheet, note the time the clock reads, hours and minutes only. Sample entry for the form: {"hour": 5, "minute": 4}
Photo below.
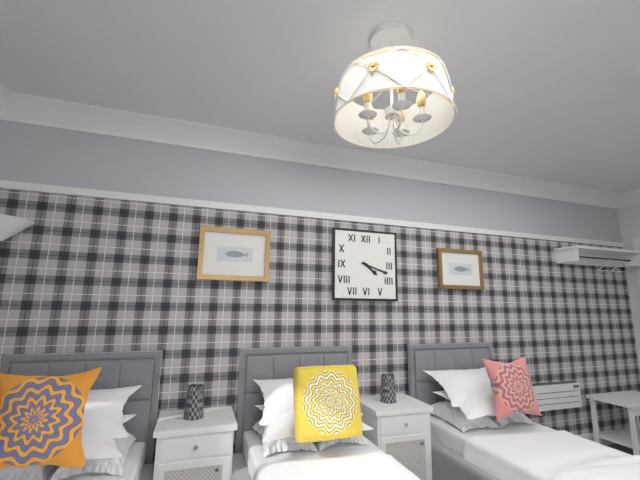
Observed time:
{"hour": 4, "minute": 18}
